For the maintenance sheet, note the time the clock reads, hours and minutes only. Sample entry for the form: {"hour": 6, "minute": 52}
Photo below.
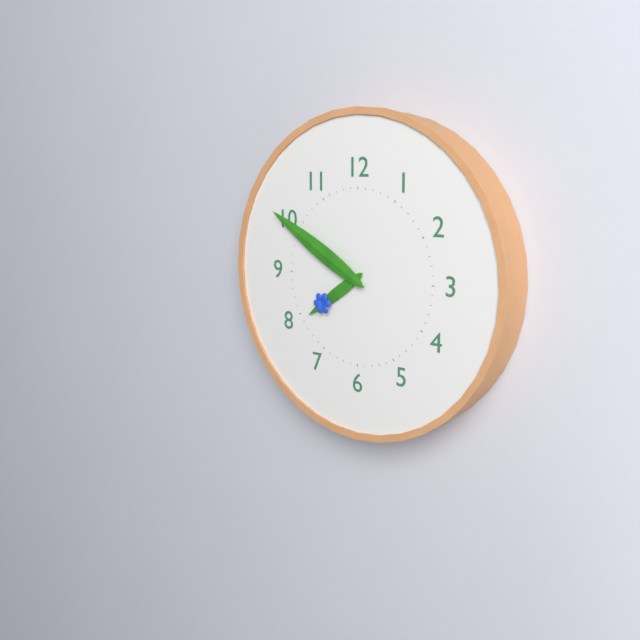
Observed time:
{"hour": 7, "minute": 50}
